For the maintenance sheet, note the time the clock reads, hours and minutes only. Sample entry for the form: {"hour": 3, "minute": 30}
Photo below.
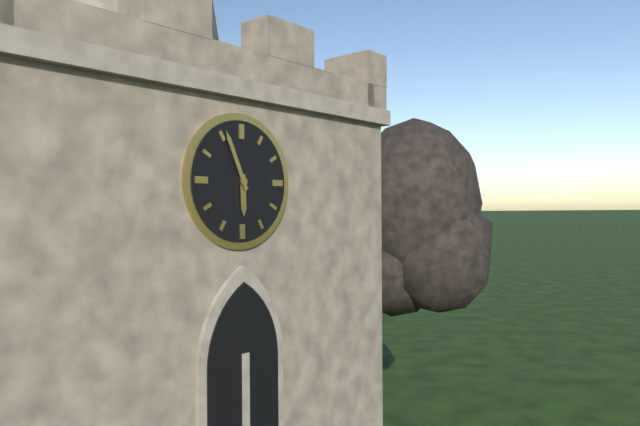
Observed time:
{"hour": 5, "minute": 56}
